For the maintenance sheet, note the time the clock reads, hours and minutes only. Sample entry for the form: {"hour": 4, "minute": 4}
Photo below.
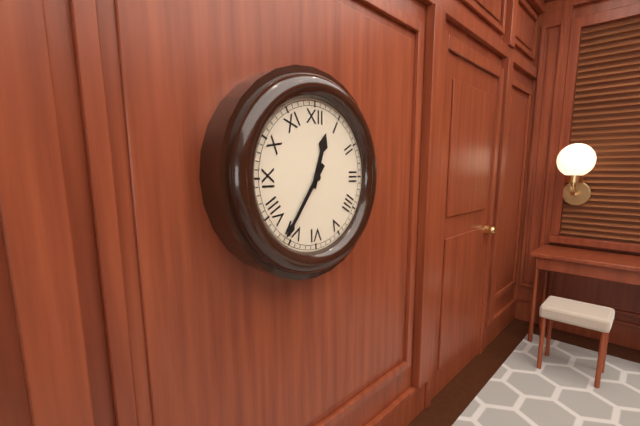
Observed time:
{"hour": 12, "minute": 36}
